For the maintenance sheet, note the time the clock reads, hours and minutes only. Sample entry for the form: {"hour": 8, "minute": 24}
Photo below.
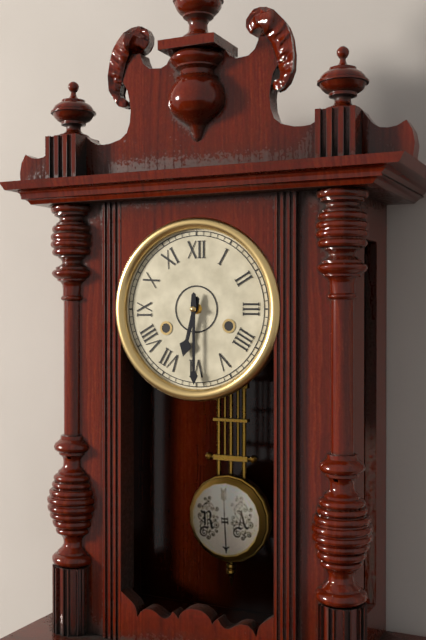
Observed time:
{"hour": 6, "minute": 30}
